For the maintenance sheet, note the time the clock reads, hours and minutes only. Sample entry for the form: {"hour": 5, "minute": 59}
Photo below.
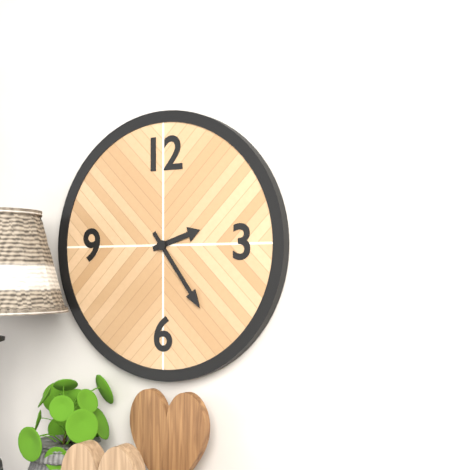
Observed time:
{"hour": 2, "minute": 24}
